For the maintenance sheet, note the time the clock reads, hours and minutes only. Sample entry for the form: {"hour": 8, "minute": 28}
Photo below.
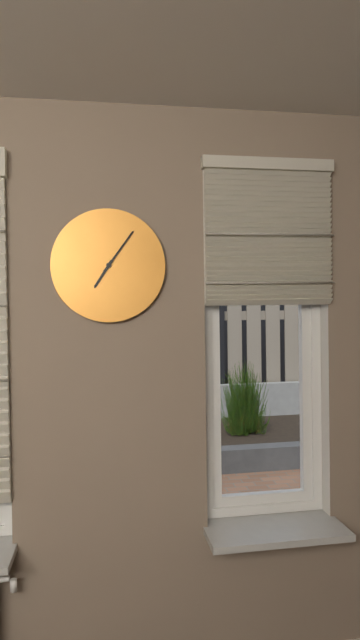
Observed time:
{"hour": 7, "minute": 6}
